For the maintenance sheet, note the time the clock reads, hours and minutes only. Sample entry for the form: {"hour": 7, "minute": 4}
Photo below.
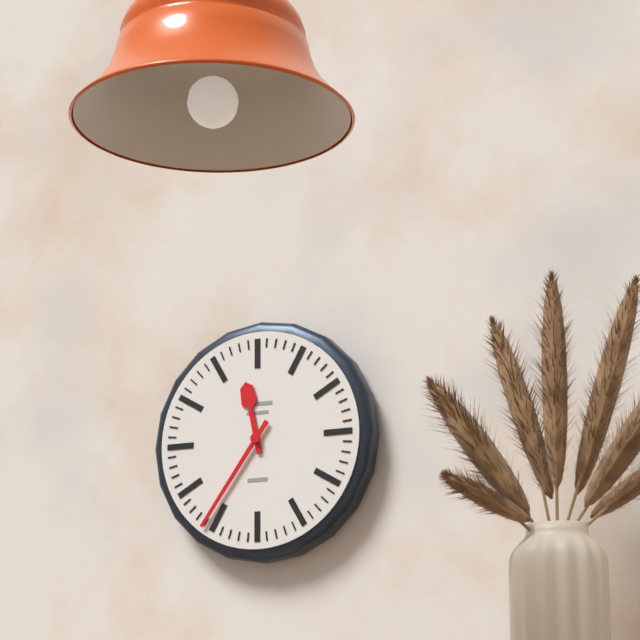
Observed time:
{"hour": 11, "minute": 36}
